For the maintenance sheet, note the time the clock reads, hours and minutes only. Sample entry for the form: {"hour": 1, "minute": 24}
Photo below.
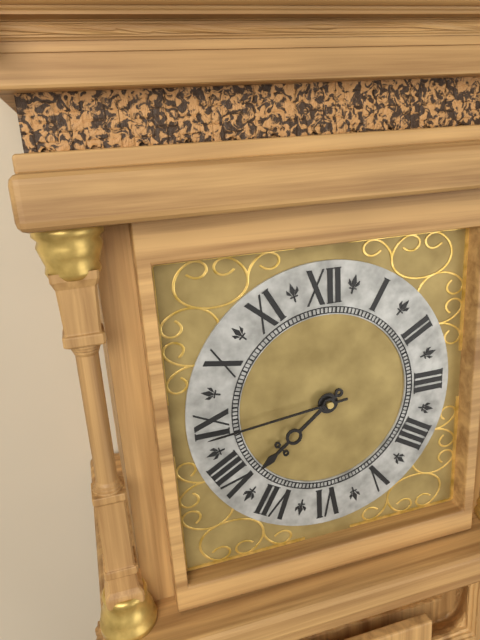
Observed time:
{"hour": 7, "minute": 44}
